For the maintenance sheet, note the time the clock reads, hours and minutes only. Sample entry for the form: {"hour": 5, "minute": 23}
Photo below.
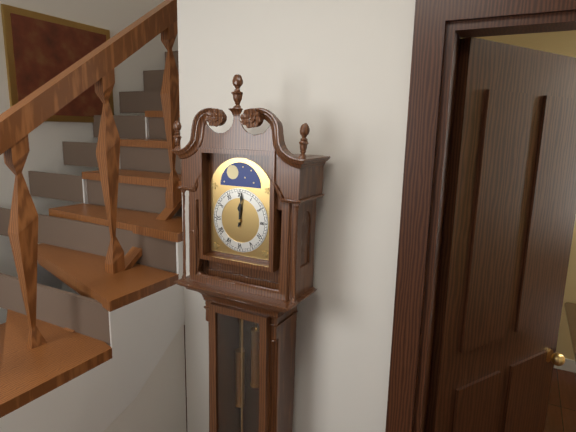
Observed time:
{"hour": 12, "minute": 1}
